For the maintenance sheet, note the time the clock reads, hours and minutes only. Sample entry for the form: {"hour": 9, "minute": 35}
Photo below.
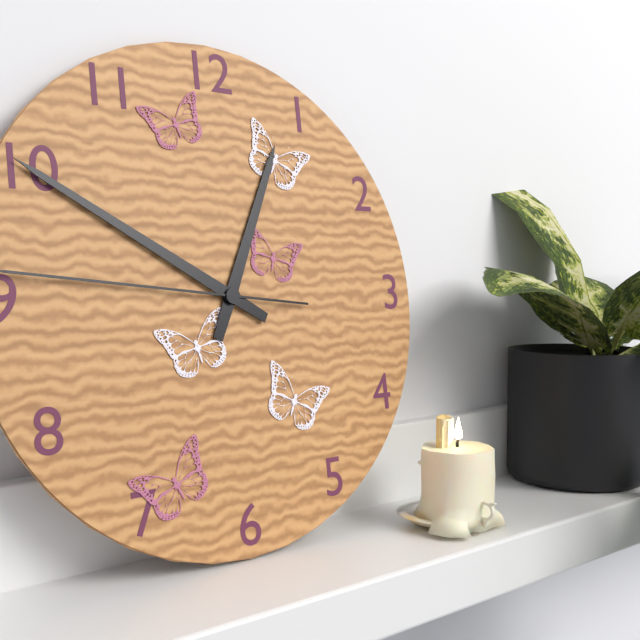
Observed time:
{"hour": 12, "minute": 50}
